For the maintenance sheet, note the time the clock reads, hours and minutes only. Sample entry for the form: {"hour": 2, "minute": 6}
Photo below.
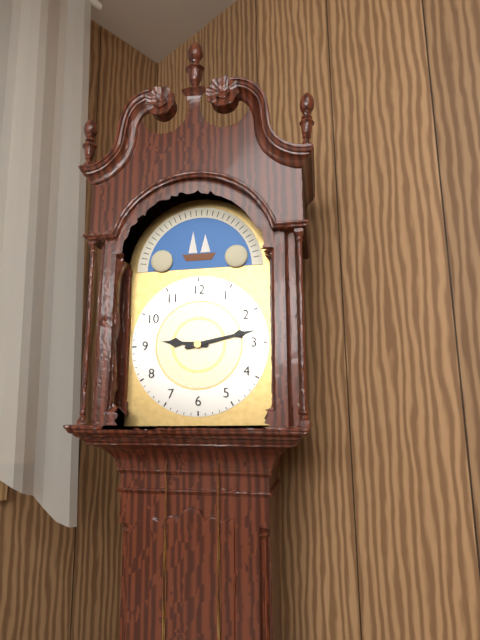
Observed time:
{"hour": 9, "minute": 13}
